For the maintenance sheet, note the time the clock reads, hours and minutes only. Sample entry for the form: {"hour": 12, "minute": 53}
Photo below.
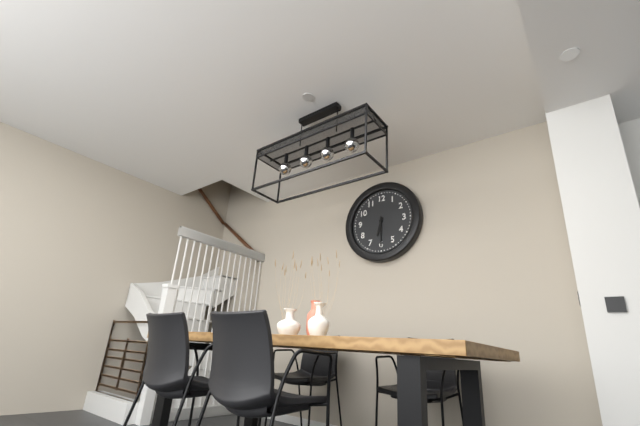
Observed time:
{"hour": 6, "minute": 30}
